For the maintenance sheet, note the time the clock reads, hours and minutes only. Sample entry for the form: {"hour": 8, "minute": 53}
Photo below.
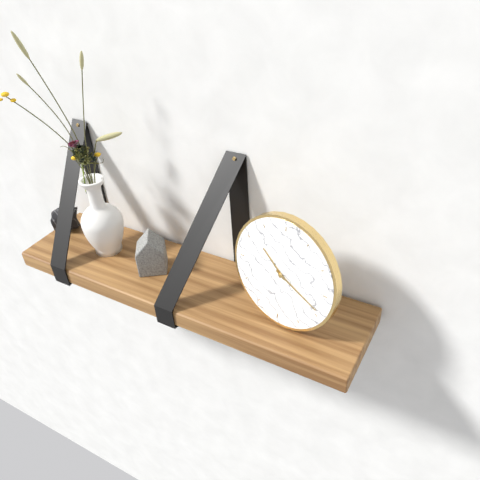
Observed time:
{"hour": 10, "minute": 19}
